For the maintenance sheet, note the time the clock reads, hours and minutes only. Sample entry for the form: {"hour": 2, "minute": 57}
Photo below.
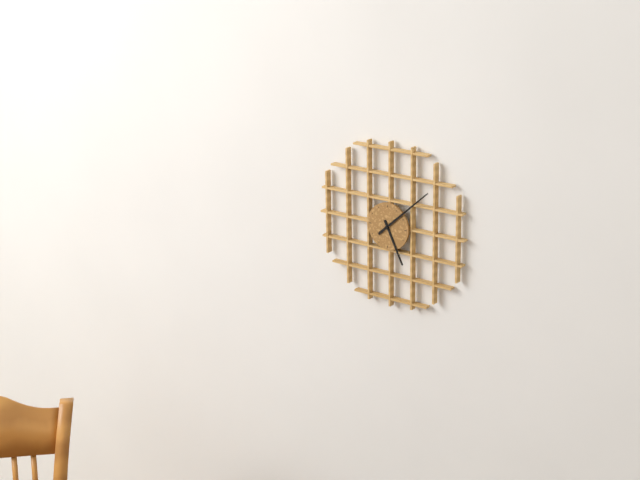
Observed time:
{"hour": 5, "minute": 8}
